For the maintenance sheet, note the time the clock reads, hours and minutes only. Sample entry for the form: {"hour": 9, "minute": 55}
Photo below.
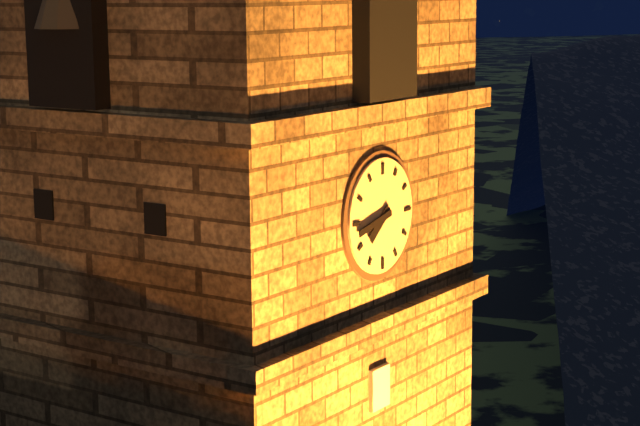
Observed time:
{"hour": 7, "minute": 43}
